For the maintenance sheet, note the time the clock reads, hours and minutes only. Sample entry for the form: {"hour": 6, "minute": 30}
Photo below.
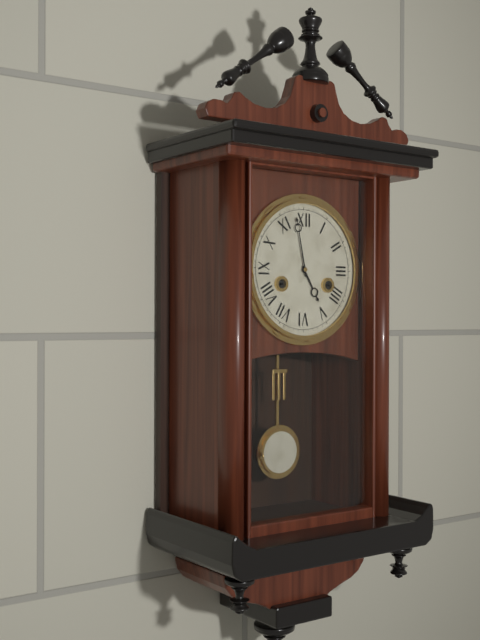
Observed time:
{"hour": 4, "minute": 58}
